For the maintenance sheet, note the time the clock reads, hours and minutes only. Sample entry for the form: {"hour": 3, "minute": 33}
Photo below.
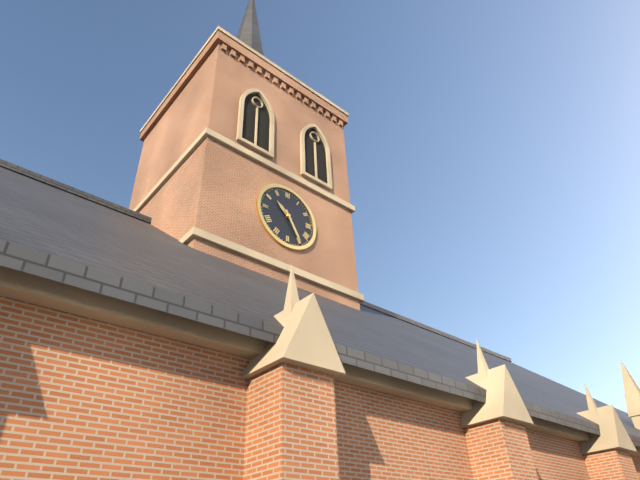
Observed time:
{"hour": 10, "minute": 25}
